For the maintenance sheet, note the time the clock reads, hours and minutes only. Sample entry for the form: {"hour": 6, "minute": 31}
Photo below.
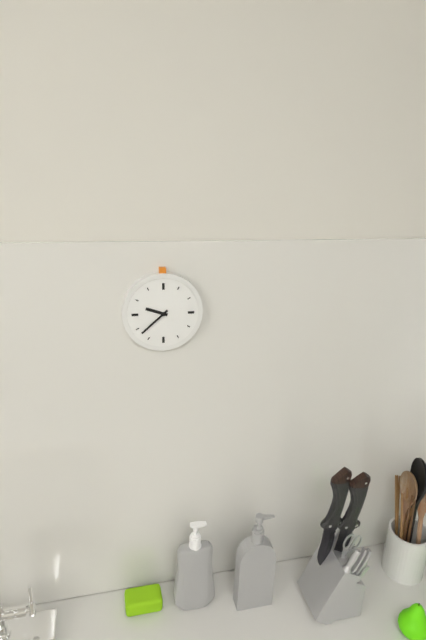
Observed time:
{"hour": 9, "minute": 38}
